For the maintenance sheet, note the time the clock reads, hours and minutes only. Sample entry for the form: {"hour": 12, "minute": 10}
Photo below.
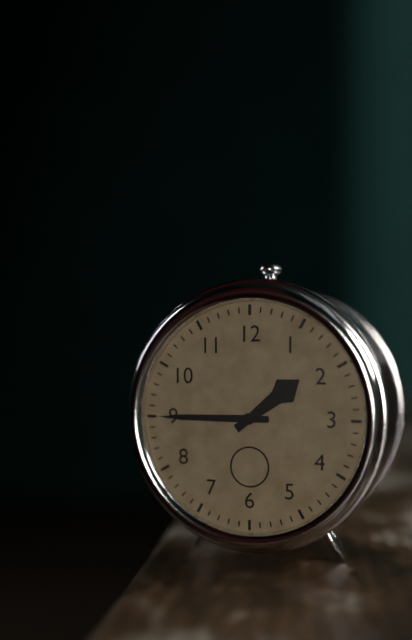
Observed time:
{"hour": 1, "minute": 45}
